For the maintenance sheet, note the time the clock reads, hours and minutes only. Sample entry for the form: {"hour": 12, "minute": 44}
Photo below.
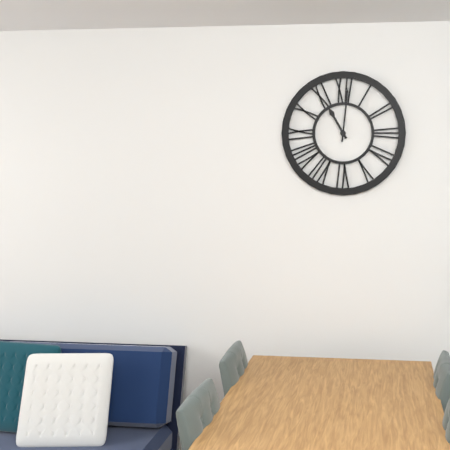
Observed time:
{"hour": 11, "minute": 1}
